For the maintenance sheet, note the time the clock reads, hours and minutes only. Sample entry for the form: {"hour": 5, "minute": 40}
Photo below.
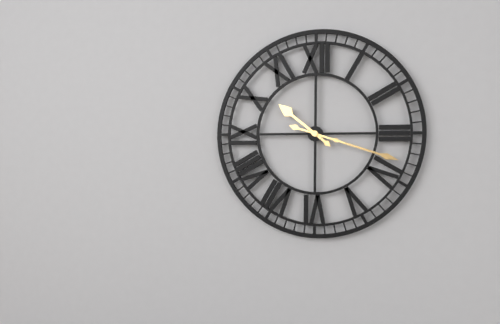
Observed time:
{"hour": 10, "minute": 18}
